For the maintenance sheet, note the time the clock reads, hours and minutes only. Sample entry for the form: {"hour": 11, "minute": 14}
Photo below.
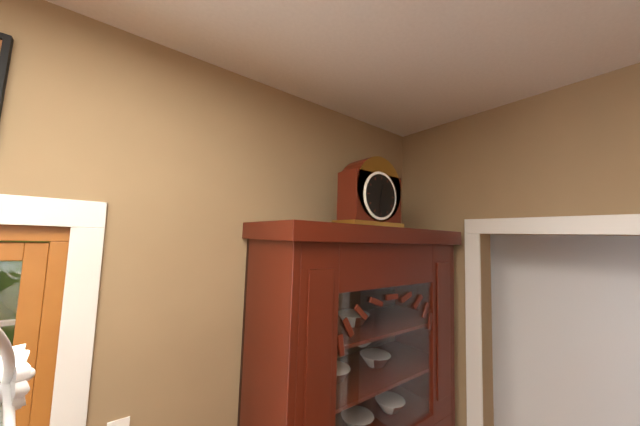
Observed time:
{"hour": 12, "minute": 31}
